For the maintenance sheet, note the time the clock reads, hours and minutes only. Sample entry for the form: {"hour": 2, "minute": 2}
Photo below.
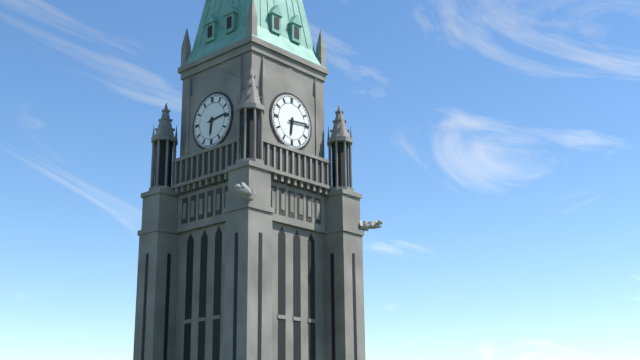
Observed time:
{"hour": 6, "minute": 14}
